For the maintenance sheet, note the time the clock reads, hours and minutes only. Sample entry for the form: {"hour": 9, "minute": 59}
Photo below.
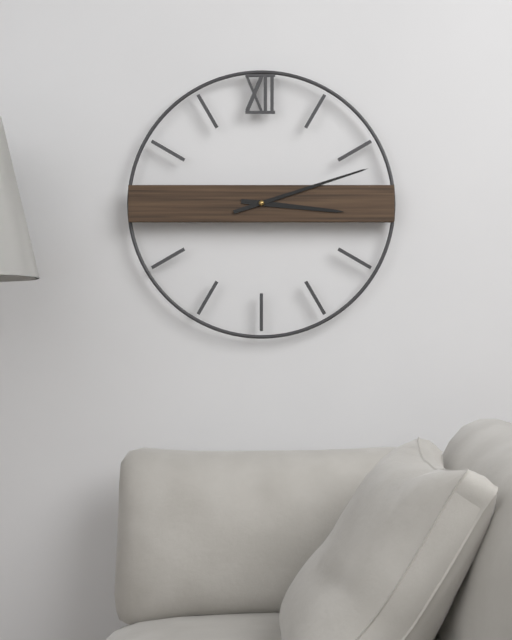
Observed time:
{"hour": 3, "minute": 12}
